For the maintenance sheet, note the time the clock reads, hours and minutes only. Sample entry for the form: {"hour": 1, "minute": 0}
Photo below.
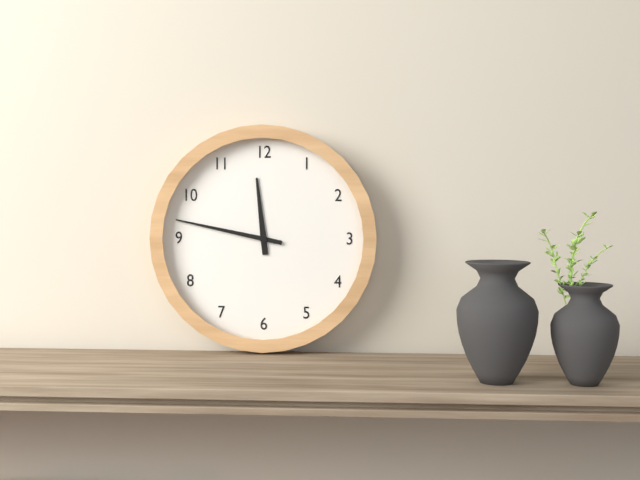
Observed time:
{"hour": 11, "minute": 47}
